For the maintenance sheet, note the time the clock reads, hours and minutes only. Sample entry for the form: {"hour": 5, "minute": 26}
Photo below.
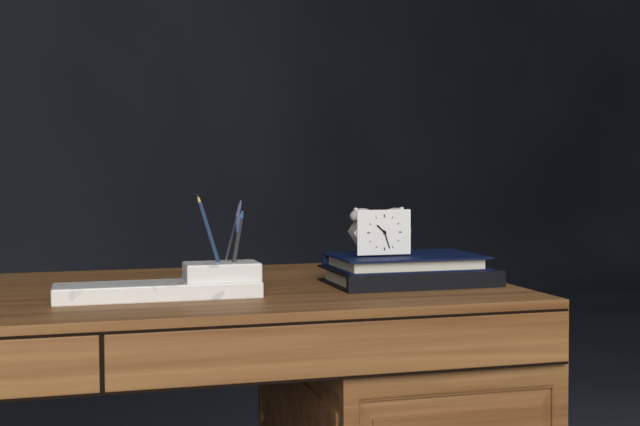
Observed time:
{"hour": 10, "minute": 27}
